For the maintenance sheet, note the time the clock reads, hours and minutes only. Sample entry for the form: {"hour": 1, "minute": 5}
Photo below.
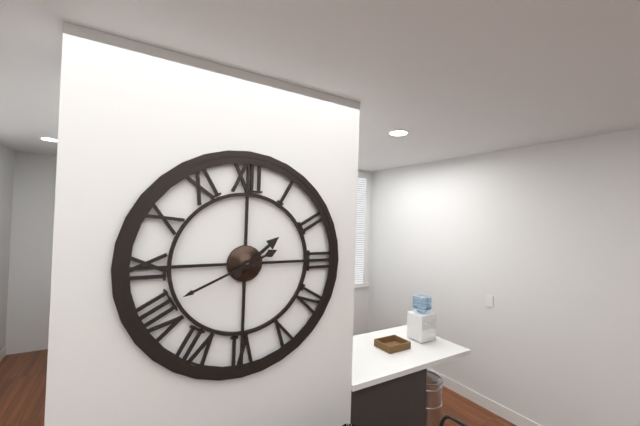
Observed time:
{"hour": 1, "minute": 41}
